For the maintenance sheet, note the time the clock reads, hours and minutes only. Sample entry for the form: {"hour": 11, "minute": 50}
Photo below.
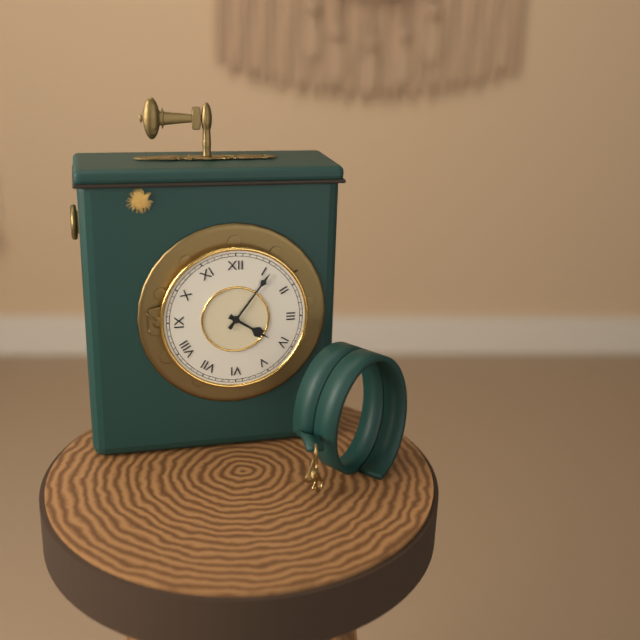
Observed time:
{"hour": 4, "minute": 6}
